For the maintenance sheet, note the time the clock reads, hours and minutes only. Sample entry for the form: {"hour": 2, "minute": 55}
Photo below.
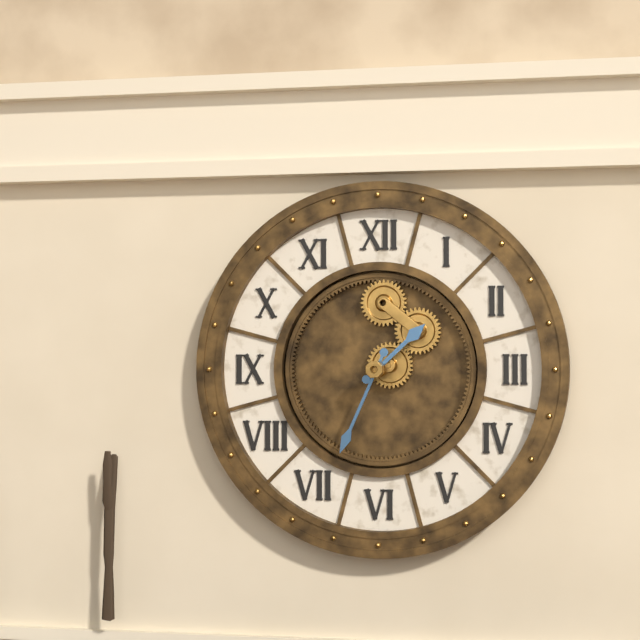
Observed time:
{"hour": 1, "minute": 34}
